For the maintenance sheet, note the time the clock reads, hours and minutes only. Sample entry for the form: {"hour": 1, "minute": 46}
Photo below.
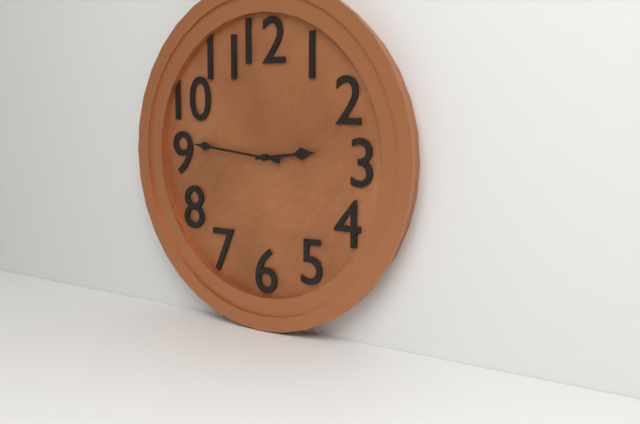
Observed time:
{"hour": 2, "minute": 46}
